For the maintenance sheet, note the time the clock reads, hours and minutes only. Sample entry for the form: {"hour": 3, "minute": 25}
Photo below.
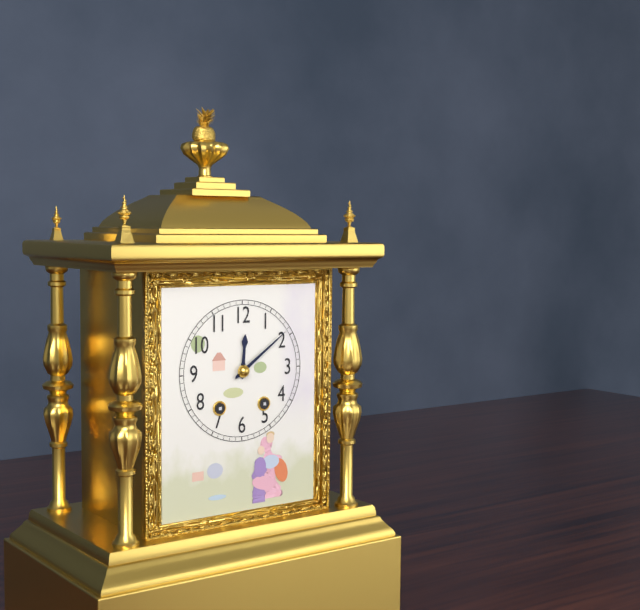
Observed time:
{"hour": 12, "minute": 9}
